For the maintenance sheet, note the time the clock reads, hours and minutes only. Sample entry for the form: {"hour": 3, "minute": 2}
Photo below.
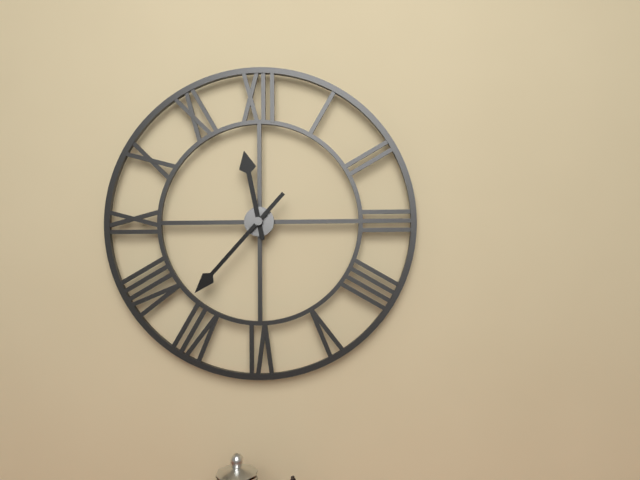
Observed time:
{"hour": 11, "minute": 37}
